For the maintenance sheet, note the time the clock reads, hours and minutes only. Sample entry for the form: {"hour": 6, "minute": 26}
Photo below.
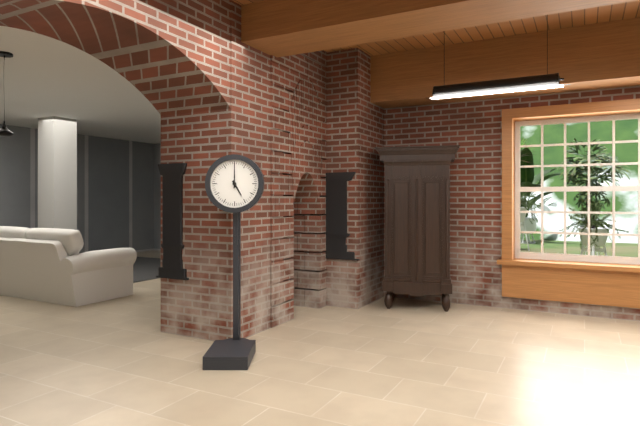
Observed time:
{"hour": 5, "minute": 0}
